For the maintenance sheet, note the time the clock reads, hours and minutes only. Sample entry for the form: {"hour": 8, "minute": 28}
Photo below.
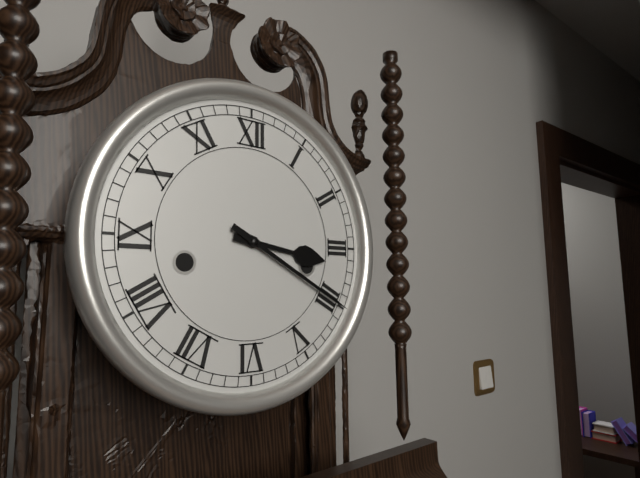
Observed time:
{"hour": 3, "minute": 20}
